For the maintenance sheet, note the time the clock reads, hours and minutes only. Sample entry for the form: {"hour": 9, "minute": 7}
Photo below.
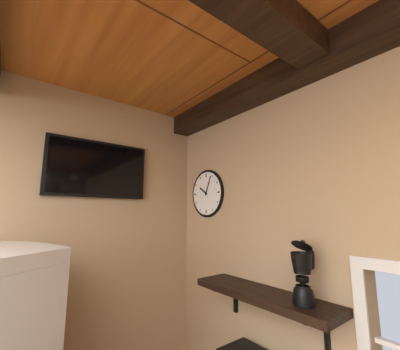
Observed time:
{"hour": 10, "minute": 4}
